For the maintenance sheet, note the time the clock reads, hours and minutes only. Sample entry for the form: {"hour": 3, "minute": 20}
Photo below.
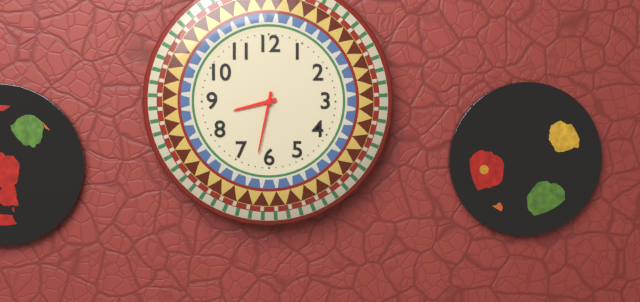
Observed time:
{"hour": 8, "minute": 32}
